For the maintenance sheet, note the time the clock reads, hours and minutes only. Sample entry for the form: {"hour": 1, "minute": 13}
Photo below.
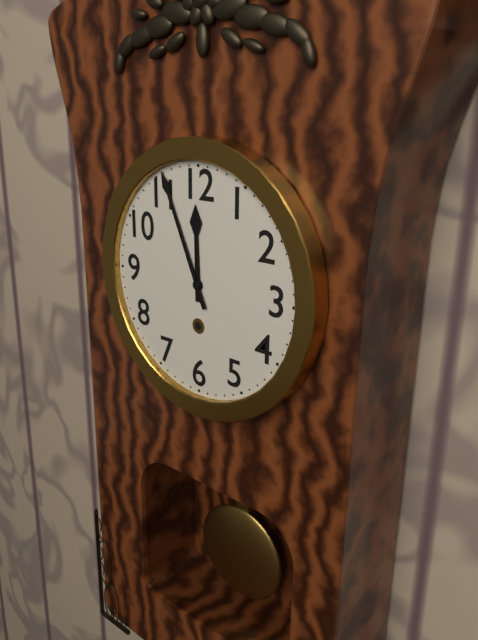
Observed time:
{"hour": 11, "minute": 56}
